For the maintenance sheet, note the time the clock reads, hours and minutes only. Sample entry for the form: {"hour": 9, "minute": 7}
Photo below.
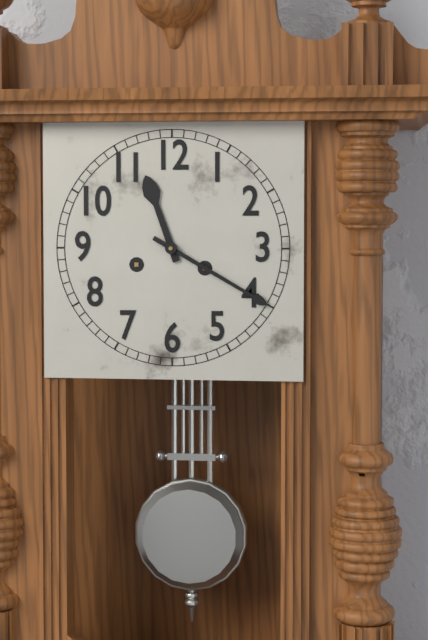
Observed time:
{"hour": 11, "minute": 20}
